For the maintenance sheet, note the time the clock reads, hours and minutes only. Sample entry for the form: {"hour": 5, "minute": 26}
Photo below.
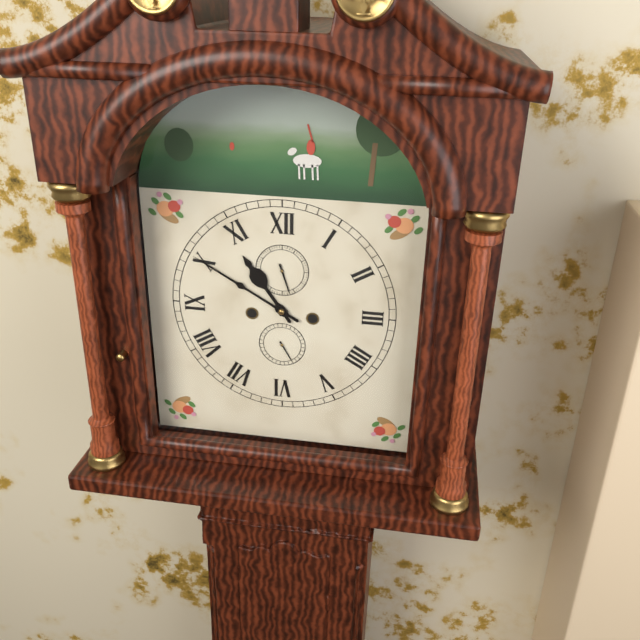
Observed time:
{"hour": 10, "minute": 50}
